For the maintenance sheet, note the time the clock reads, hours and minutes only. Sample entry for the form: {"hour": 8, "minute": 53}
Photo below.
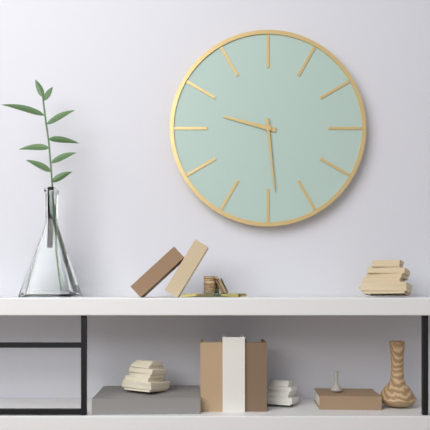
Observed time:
{"hour": 9, "minute": 29}
